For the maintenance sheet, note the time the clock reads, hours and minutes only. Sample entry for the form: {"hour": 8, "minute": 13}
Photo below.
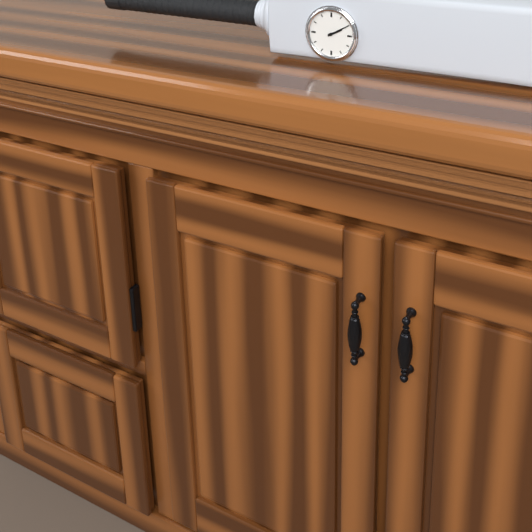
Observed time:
{"hour": 2, "minute": 10}
